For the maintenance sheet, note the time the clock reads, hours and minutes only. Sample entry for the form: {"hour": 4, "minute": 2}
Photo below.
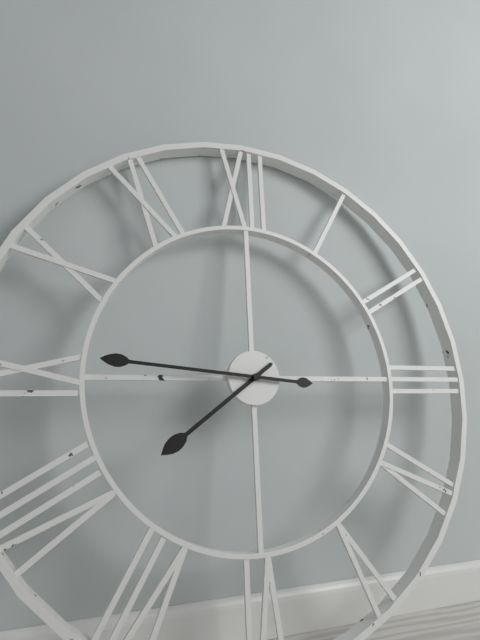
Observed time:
{"hour": 7, "minute": 46}
